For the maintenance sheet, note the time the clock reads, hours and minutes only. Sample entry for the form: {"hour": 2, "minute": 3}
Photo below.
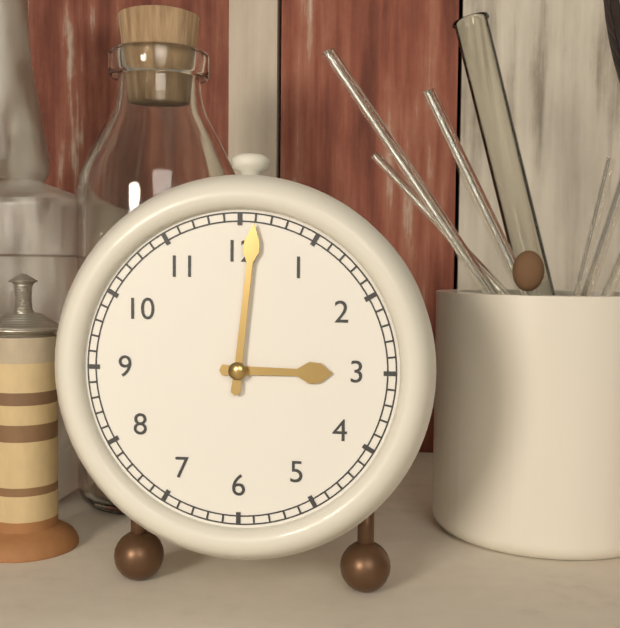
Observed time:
{"hour": 3, "minute": 1}
